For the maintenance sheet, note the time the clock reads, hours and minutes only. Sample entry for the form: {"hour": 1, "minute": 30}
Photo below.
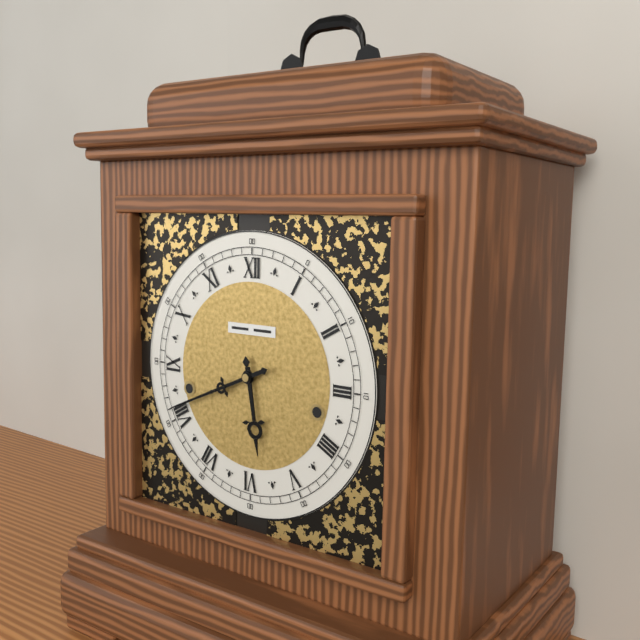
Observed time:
{"hour": 5, "minute": 41}
